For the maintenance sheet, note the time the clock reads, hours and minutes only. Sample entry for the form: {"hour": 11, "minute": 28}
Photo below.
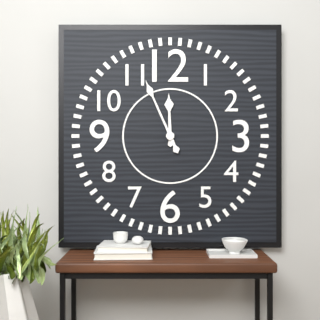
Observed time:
{"hour": 11, "minute": 56}
